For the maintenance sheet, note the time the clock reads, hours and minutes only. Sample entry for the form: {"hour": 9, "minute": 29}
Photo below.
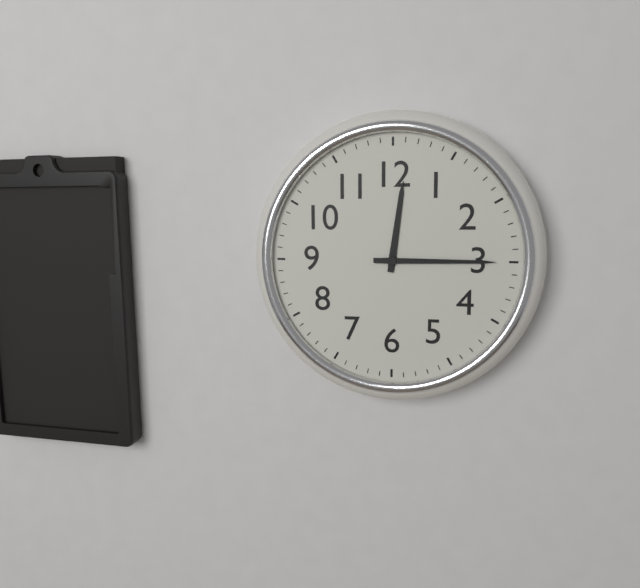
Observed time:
{"hour": 12, "minute": 15}
